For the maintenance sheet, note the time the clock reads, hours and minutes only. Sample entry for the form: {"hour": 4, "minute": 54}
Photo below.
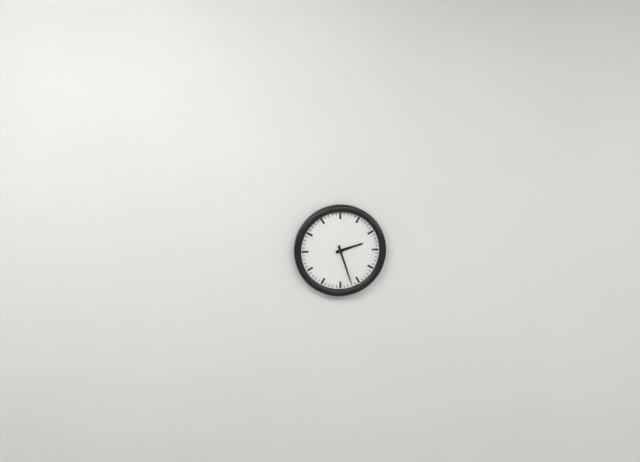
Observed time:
{"hour": 2, "minute": 27}
